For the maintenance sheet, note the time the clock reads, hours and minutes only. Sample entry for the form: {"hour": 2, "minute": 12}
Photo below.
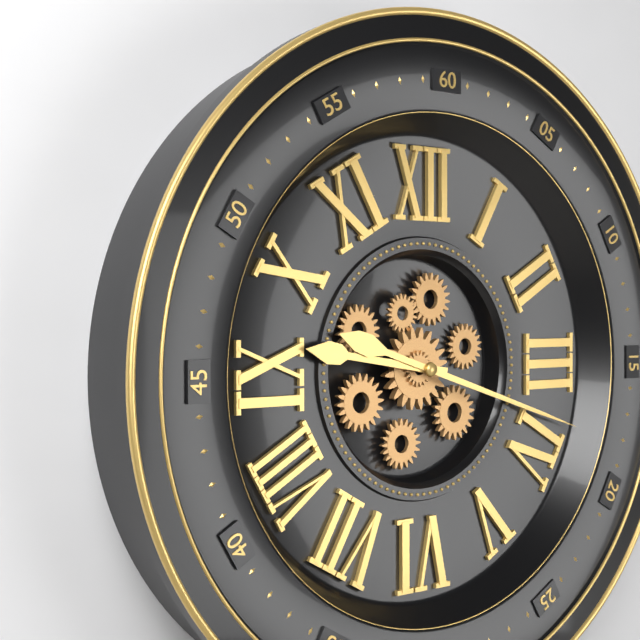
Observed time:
{"hour": 9, "minute": 18}
